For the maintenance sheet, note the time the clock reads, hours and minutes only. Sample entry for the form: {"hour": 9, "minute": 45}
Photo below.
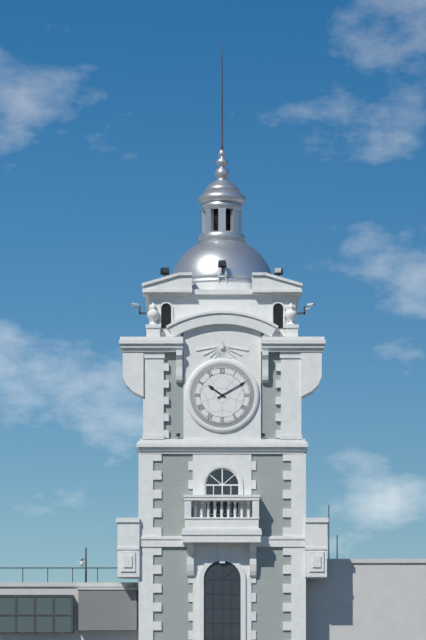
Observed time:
{"hour": 10, "minute": 10}
